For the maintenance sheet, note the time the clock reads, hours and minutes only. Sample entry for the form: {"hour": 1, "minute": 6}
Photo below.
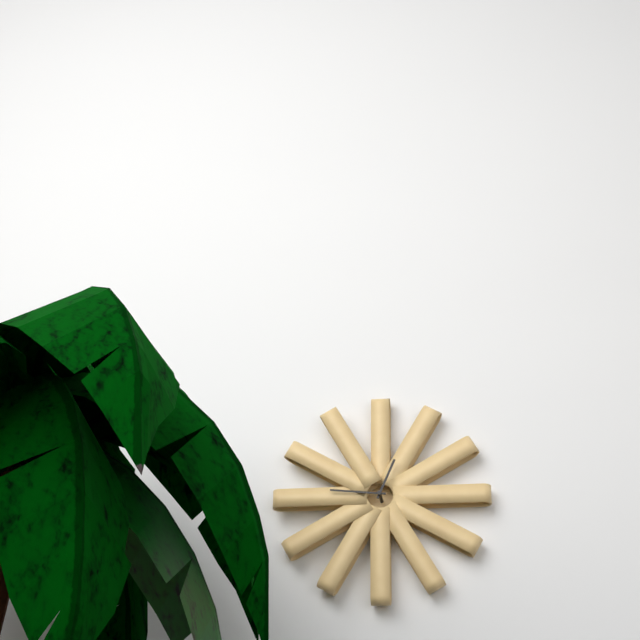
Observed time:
{"hour": 12, "minute": 46}
